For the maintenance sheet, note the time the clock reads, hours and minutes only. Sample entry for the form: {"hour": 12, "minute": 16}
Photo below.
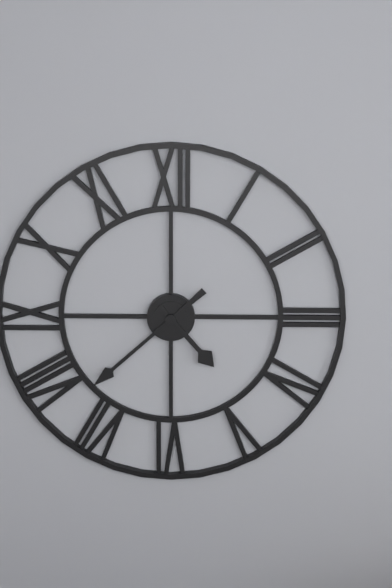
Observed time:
{"hour": 4, "minute": 38}
